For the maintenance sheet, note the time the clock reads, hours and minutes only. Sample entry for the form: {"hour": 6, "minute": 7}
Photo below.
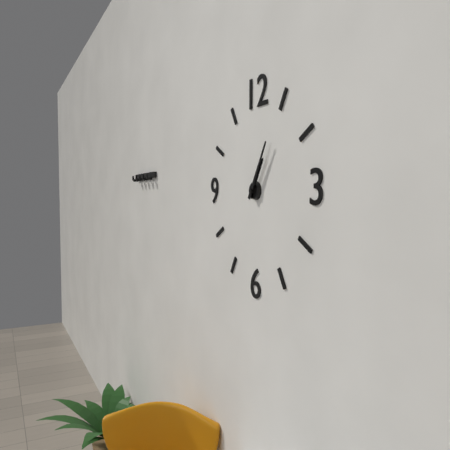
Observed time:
{"hour": 1, "minute": 5}
